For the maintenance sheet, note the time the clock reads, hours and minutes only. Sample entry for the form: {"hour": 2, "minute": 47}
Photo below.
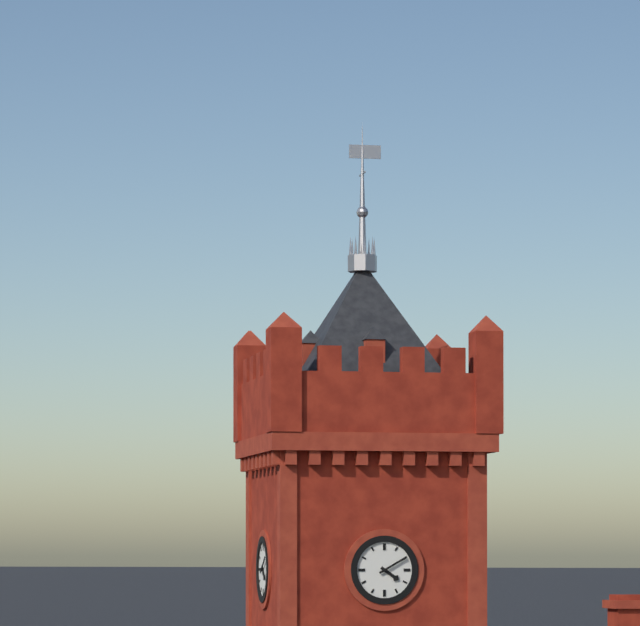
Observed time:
{"hour": 4, "minute": 10}
